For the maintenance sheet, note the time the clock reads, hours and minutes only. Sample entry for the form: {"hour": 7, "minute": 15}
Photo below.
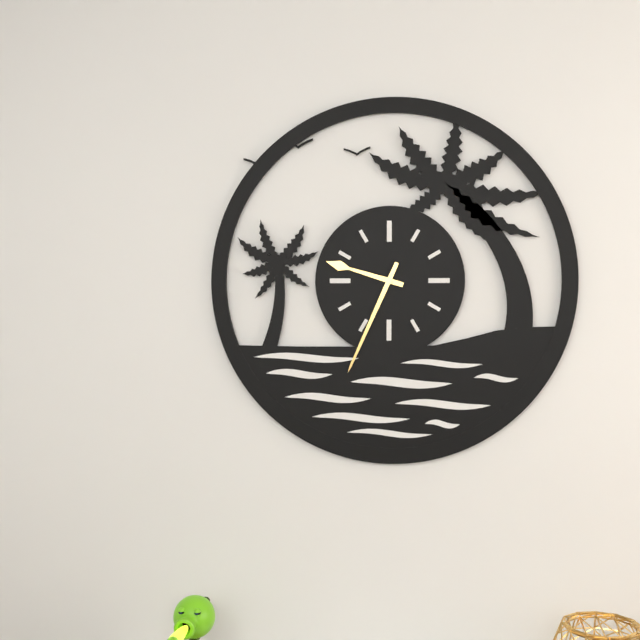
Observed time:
{"hour": 9, "minute": 34}
